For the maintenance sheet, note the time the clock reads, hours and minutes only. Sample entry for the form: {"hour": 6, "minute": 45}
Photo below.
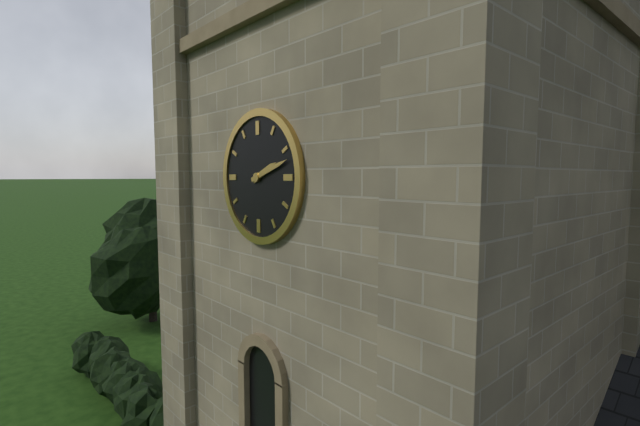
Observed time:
{"hour": 2, "minute": 12}
